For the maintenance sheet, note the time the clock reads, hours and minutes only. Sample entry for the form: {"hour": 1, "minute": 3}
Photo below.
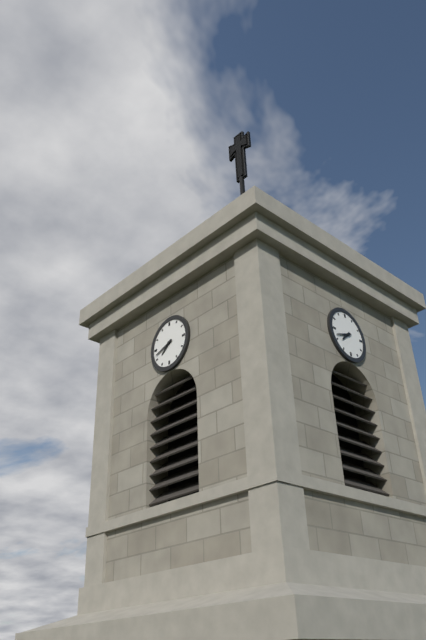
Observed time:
{"hour": 7, "minute": 42}
